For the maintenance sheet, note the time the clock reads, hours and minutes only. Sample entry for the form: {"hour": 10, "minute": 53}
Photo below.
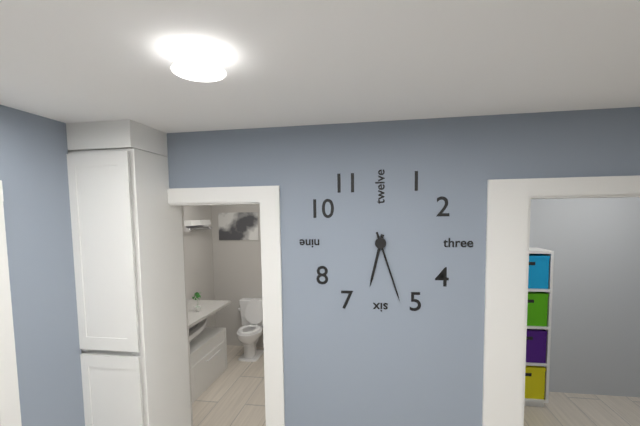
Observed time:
{"hour": 6, "minute": 27}
